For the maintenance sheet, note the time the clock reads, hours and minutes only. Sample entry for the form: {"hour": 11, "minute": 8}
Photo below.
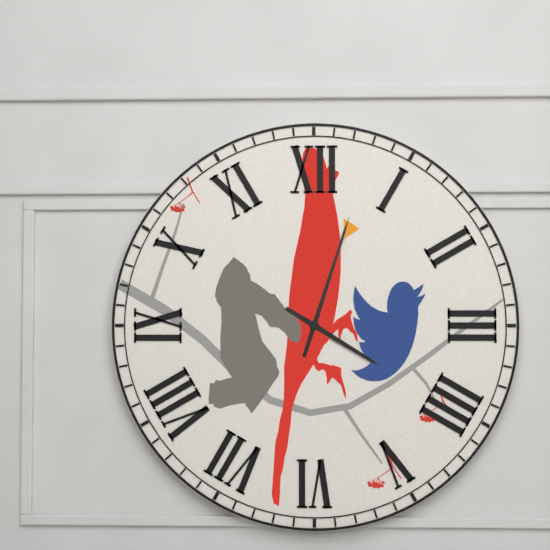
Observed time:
{"hour": 4, "minute": 3}
